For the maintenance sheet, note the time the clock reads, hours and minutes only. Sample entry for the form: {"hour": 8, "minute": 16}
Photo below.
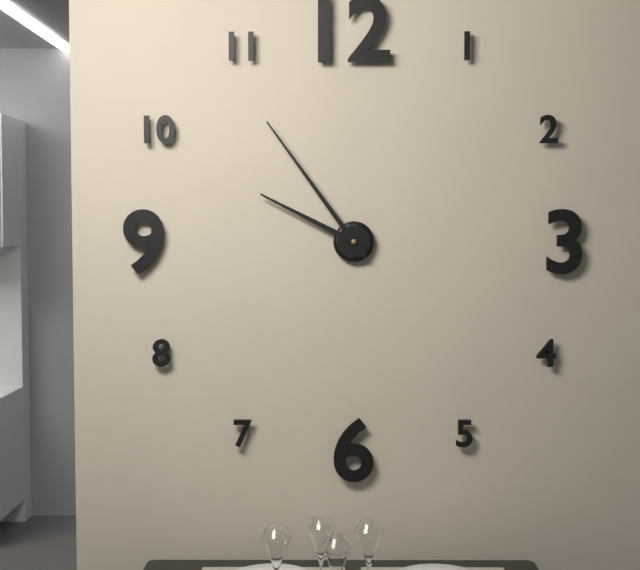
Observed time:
{"hour": 9, "minute": 54}
